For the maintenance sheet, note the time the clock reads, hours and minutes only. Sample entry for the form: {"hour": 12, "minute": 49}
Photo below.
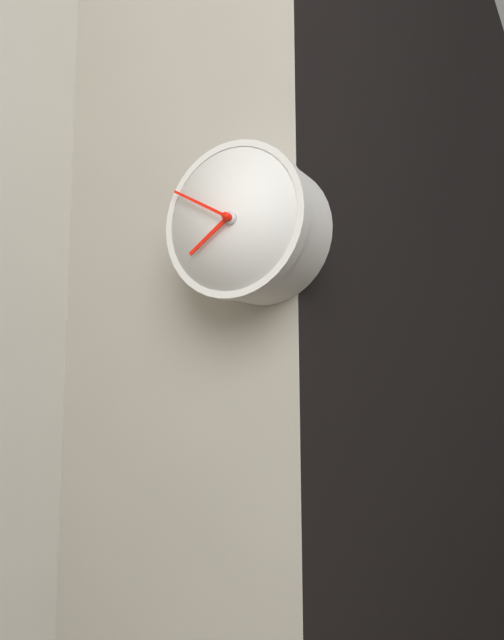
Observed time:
{"hour": 7, "minute": 50}
